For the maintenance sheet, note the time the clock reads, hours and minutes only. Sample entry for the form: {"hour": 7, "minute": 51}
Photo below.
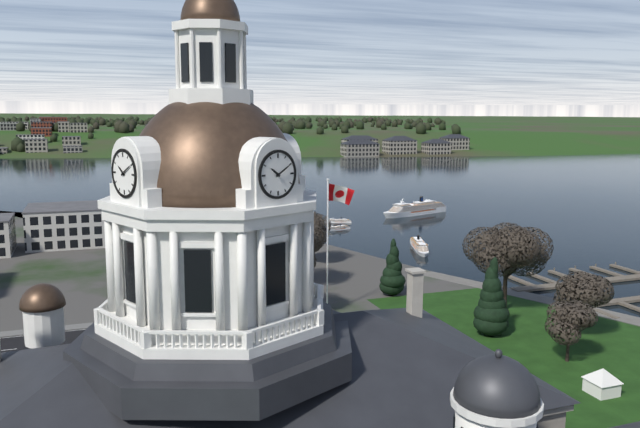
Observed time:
{"hour": 10, "minute": 10}
